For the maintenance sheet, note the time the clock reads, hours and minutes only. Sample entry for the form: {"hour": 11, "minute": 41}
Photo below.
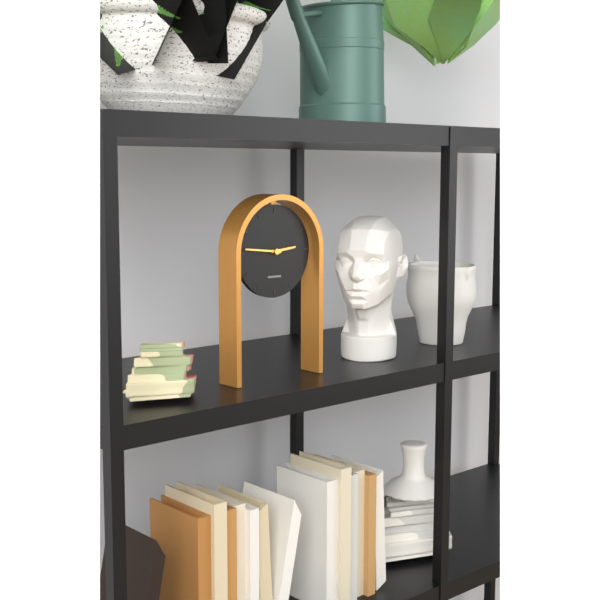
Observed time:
{"hour": 2, "minute": 46}
